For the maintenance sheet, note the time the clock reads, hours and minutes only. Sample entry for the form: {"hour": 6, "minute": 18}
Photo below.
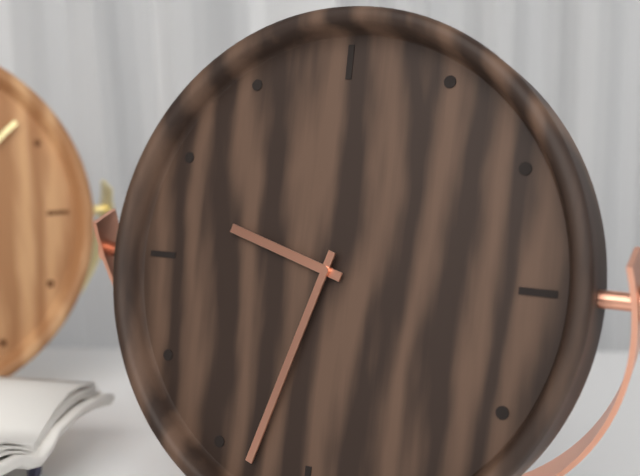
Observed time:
{"hour": 9, "minute": 33}
